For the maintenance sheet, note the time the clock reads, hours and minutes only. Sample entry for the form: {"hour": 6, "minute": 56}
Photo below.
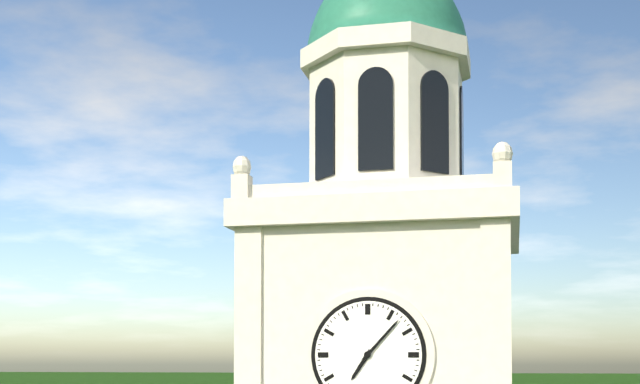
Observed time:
{"hour": 7, "minute": 7}
